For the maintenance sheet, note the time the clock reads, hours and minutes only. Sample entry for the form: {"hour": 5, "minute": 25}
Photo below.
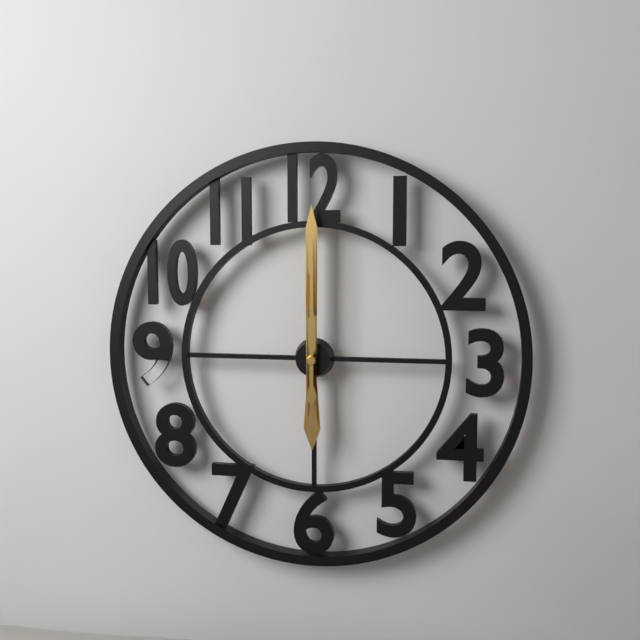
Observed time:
{"hour": 6, "minute": 0}
